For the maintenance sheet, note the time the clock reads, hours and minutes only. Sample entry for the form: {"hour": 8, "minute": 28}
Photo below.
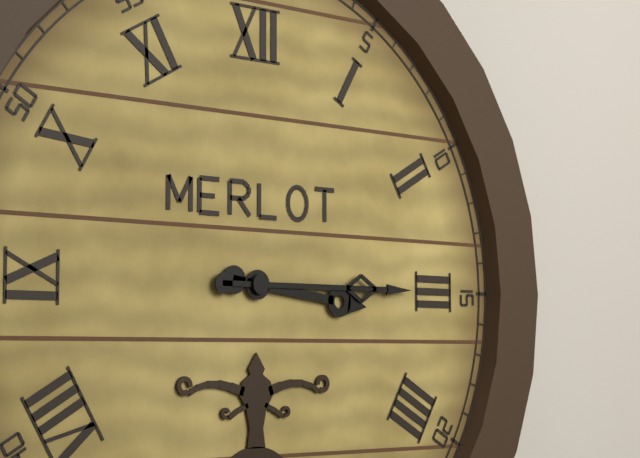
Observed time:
{"hour": 3, "minute": 15}
